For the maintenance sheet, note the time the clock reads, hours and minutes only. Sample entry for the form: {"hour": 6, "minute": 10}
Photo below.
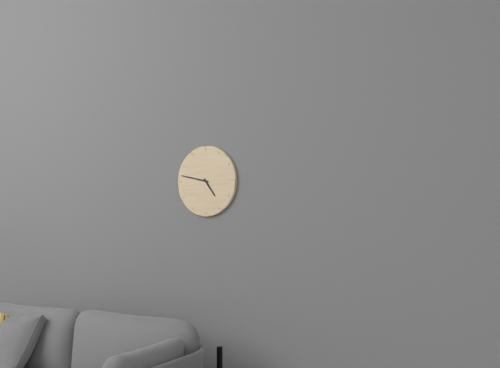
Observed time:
{"hour": 4, "minute": 47}
